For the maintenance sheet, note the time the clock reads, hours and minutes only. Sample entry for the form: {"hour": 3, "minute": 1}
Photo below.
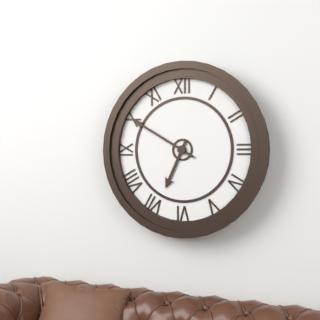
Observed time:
{"hour": 6, "minute": 50}
